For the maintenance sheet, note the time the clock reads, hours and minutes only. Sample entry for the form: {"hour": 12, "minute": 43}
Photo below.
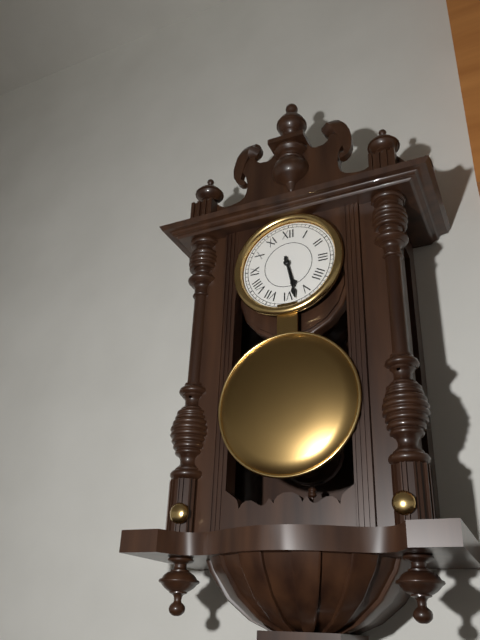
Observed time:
{"hour": 5, "minute": 28}
